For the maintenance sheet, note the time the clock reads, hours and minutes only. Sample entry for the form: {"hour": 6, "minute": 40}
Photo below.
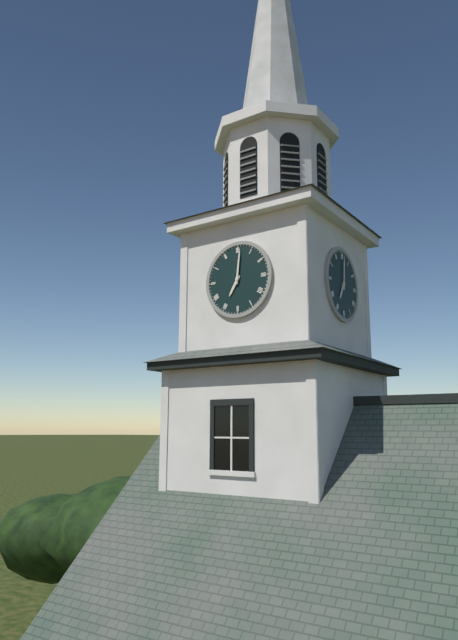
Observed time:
{"hour": 7, "minute": 1}
